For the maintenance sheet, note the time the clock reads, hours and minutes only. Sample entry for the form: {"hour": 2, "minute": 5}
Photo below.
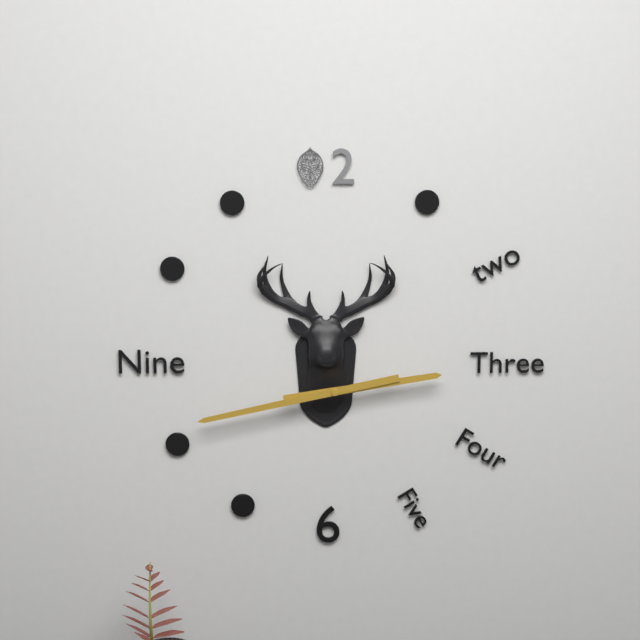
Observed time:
{"hour": 2, "minute": 43}
